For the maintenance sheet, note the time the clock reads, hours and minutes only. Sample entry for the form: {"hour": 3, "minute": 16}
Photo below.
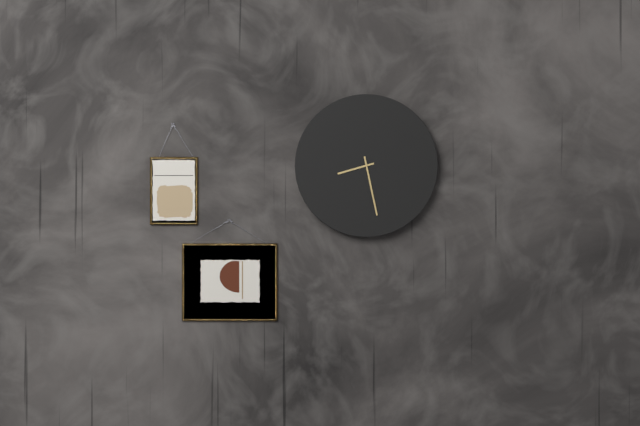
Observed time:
{"hour": 8, "minute": 28}
